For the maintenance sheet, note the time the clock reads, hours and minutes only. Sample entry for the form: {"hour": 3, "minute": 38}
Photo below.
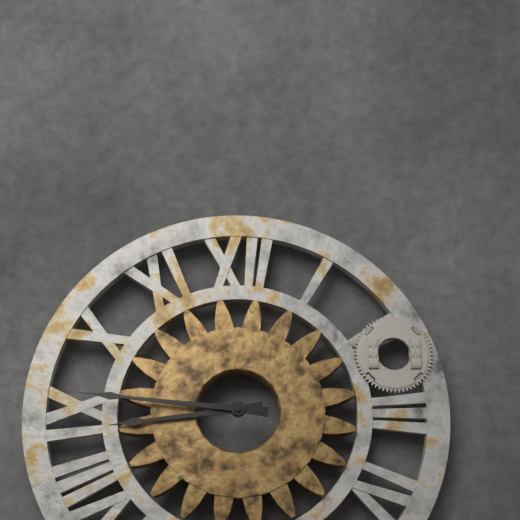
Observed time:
{"hour": 8, "minute": 46}
